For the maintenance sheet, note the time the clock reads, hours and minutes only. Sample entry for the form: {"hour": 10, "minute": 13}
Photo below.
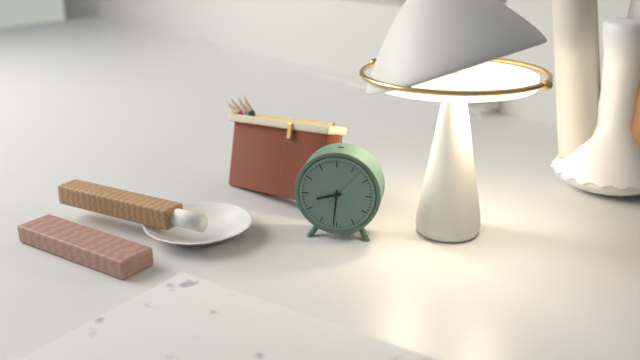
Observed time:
{"hour": 8, "minute": 31}
